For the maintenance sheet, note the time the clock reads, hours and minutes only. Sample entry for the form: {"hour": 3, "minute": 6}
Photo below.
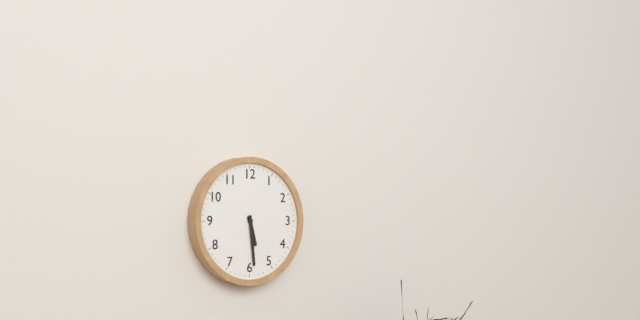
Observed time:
{"hour": 5, "minute": 29}
